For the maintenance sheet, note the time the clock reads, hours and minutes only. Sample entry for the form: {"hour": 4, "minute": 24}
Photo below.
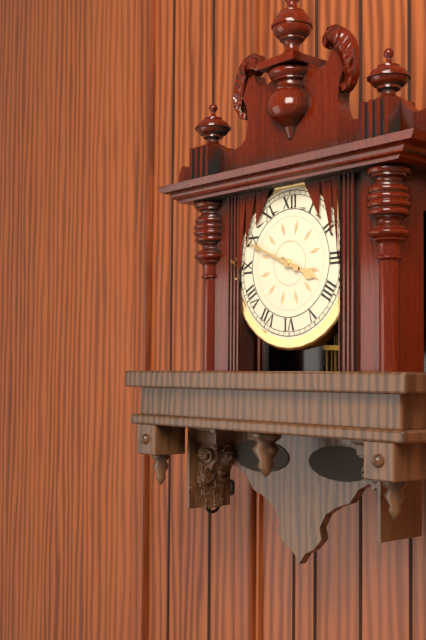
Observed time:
{"hour": 3, "minute": 49}
